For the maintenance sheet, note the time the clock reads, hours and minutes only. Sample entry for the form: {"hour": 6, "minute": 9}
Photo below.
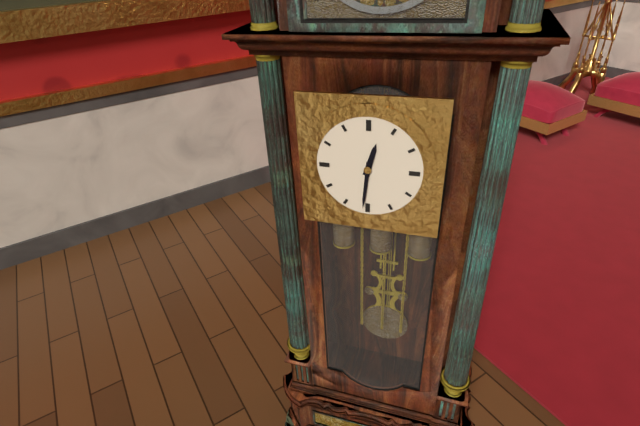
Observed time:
{"hour": 12, "minute": 31}
